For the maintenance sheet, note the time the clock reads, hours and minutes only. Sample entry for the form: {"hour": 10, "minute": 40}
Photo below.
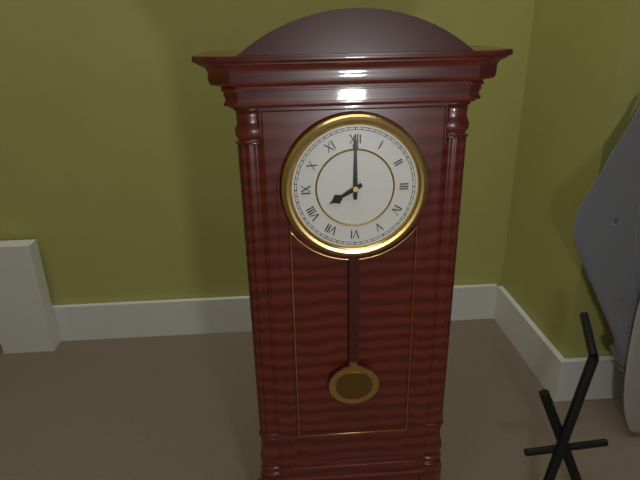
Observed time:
{"hour": 8, "minute": 0}
